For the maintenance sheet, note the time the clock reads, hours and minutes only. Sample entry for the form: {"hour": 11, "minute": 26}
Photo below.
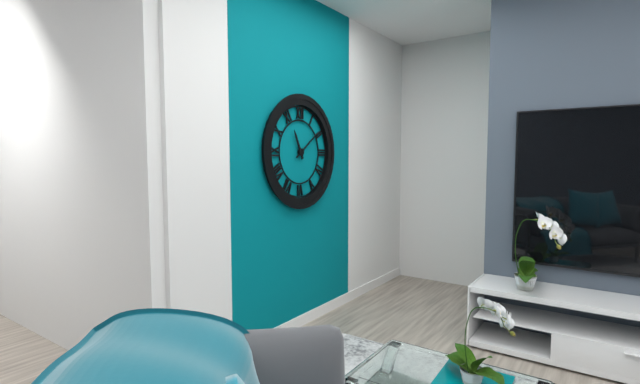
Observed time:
{"hour": 11, "minute": 9}
